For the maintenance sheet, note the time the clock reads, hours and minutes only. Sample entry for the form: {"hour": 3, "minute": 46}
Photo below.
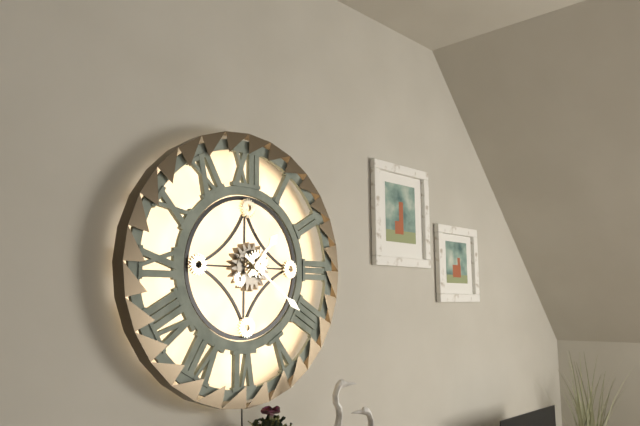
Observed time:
{"hour": 1, "minute": 21}
